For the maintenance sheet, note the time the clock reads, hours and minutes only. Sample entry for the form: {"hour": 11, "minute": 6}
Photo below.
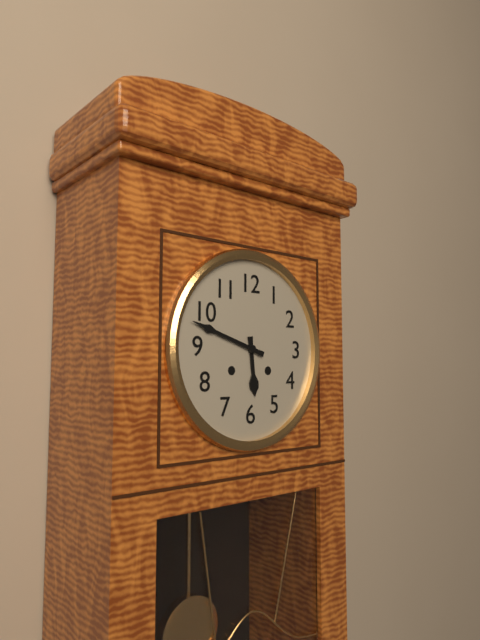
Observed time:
{"hour": 5, "minute": 48}
